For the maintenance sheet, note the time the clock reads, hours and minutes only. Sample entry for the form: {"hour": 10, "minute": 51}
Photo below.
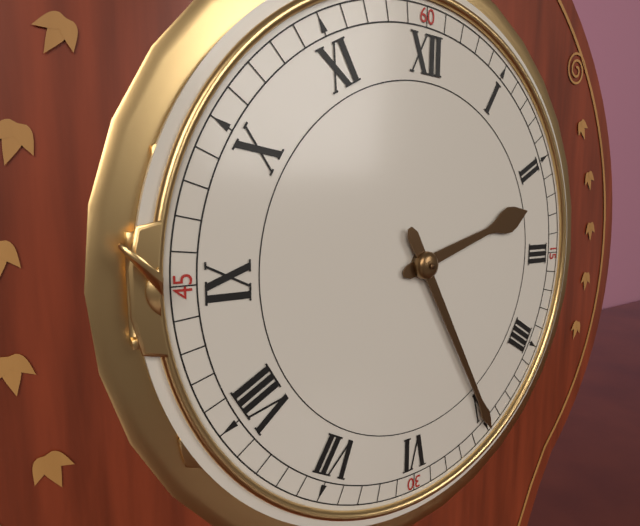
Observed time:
{"hour": 2, "minute": 25}
